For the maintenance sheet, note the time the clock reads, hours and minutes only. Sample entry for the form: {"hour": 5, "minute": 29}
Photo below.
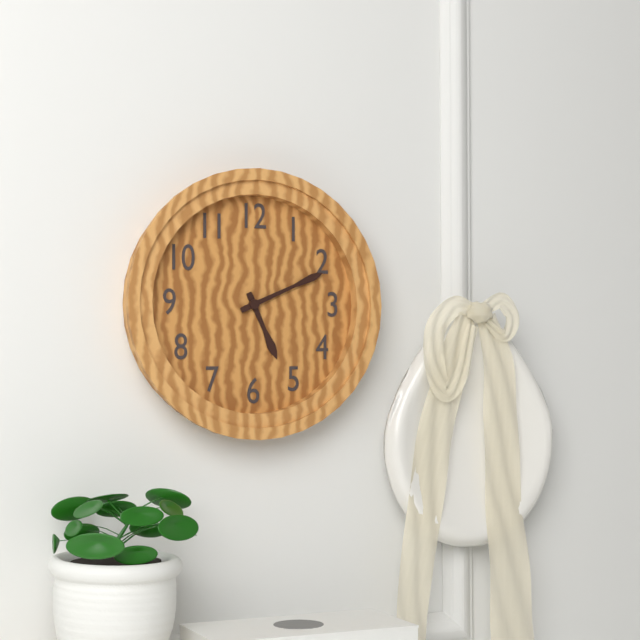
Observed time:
{"hour": 5, "minute": 11}
